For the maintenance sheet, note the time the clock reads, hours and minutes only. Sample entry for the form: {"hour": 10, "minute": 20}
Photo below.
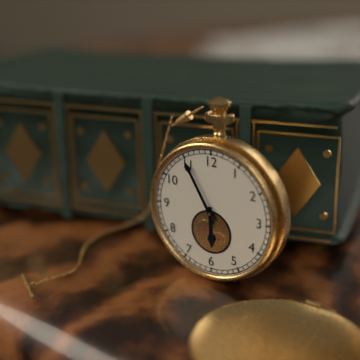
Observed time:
{"hour": 5, "minute": 55}
